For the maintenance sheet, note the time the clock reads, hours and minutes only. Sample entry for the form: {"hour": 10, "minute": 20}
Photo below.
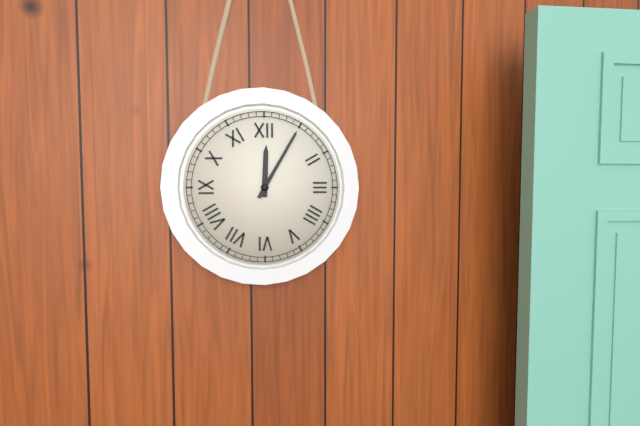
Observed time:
{"hour": 12, "minute": 5}
